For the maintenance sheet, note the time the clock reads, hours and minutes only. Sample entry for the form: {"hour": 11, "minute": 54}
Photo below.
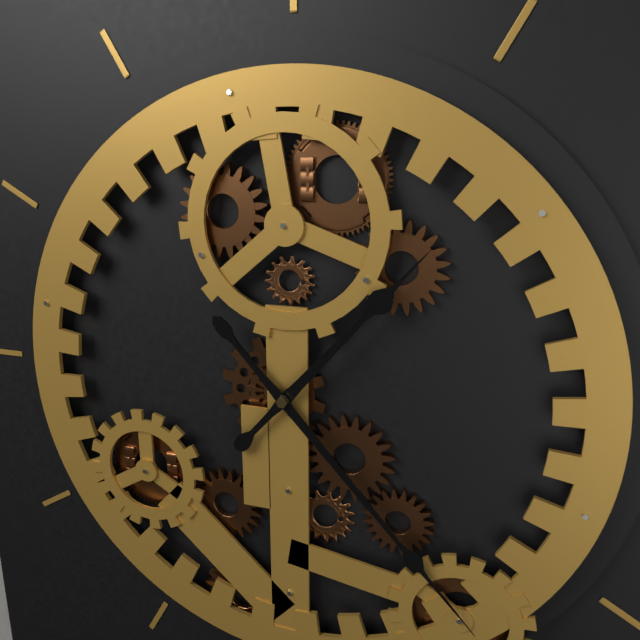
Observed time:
{"hour": 1, "minute": 23}
